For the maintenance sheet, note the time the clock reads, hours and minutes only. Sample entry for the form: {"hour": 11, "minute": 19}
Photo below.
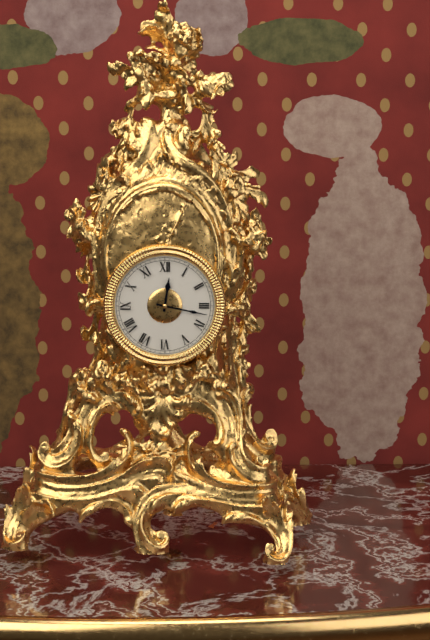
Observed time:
{"hour": 12, "minute": 17}
